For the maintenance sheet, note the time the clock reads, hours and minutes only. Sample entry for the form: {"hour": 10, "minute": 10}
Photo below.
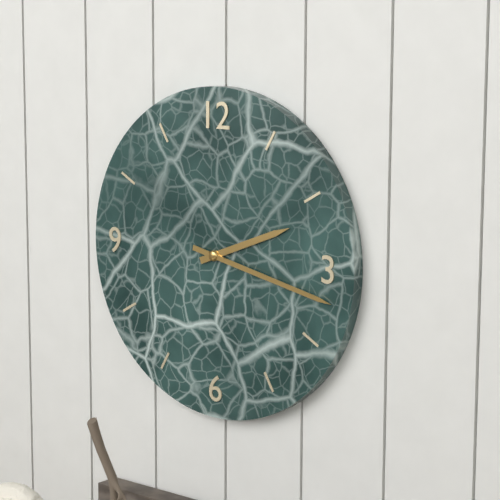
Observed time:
{"hour": 2, "minute": 17}
